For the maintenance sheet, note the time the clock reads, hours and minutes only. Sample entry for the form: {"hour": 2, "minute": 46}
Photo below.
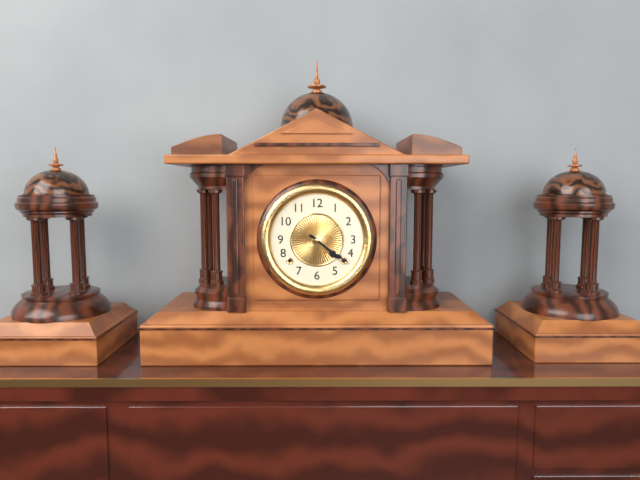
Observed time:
{"hour": 4, "minute": 21}
